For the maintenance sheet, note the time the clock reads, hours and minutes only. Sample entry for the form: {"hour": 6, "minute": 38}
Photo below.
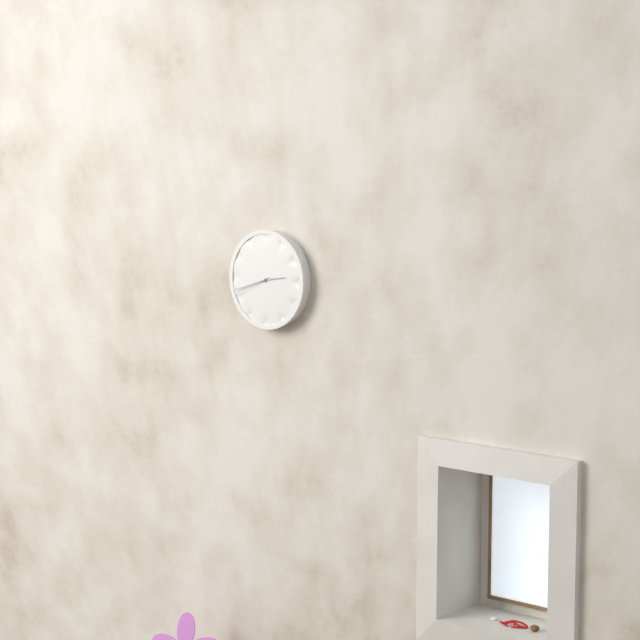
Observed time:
{"hour": 2, "minute": 42}
